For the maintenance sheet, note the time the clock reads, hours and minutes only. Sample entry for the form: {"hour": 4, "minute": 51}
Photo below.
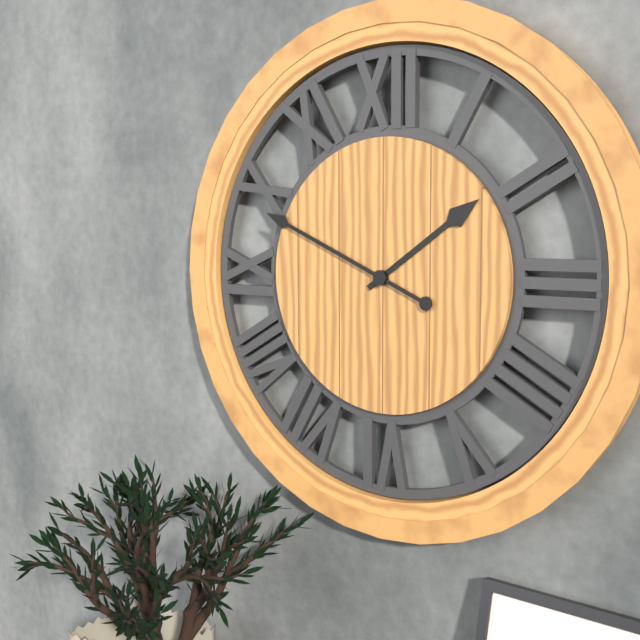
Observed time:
{"hour": 1, "minute": 49}
